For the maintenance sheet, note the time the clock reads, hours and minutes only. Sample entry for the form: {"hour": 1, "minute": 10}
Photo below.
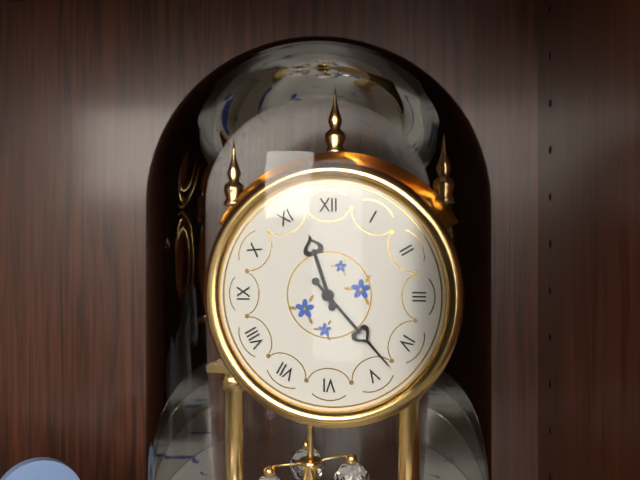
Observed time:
{"hour": 11, "minute": 23}
